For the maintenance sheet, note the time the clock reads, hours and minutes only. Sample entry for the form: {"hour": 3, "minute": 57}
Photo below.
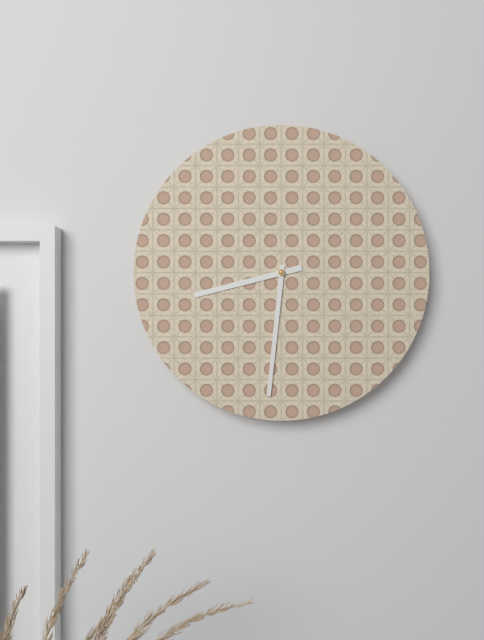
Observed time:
{"hour": 8, "minute": 31}
